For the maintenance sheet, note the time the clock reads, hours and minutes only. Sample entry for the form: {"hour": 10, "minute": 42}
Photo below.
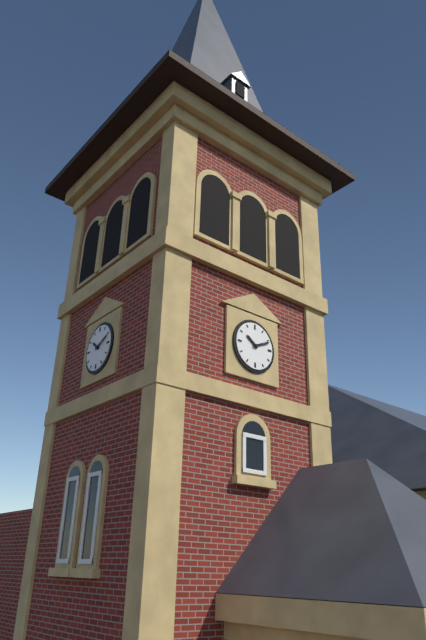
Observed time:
{"hour": 10, "minute": 11}
